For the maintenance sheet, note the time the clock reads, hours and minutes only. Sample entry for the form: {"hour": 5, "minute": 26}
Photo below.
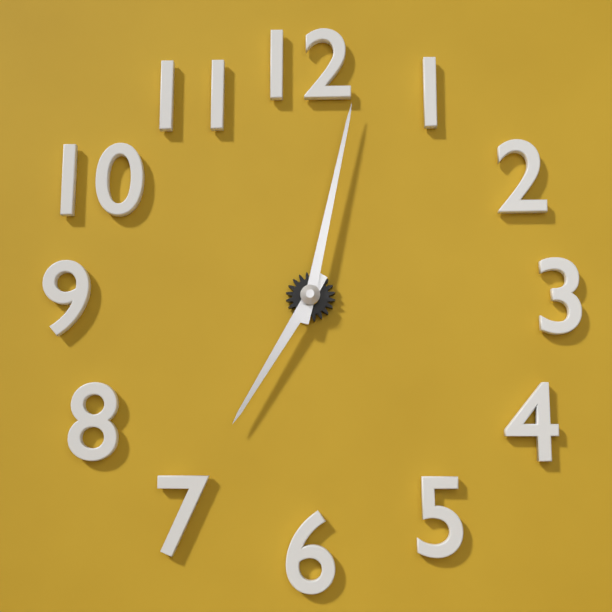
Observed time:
{"hour": 7, "minute": 2}
